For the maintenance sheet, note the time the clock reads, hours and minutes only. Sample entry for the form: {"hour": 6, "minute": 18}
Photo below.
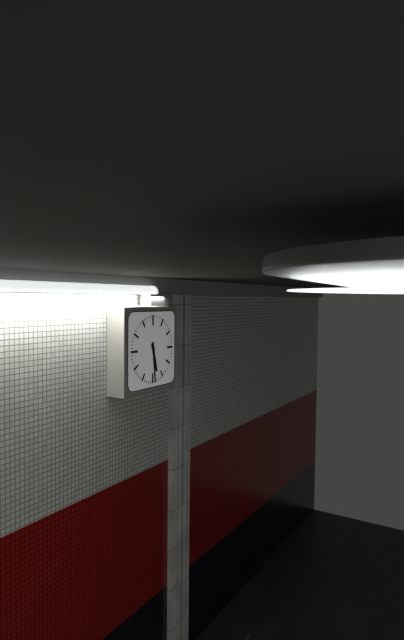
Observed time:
{"hour": 5, "minute": 29}
